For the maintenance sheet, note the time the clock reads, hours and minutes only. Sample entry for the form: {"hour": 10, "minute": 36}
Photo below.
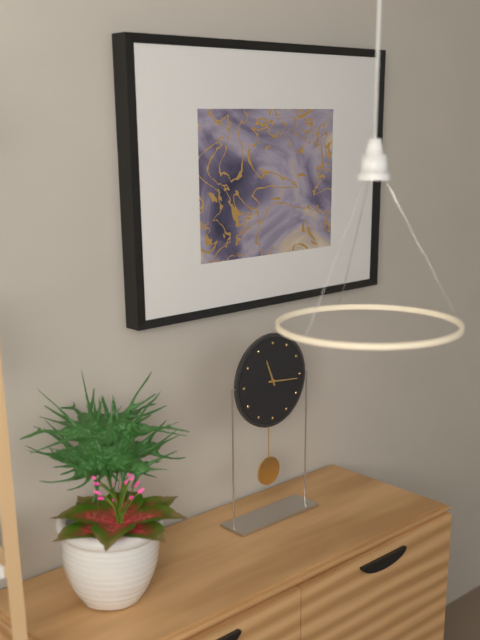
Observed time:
{"hour": 11, "minute": 16}
